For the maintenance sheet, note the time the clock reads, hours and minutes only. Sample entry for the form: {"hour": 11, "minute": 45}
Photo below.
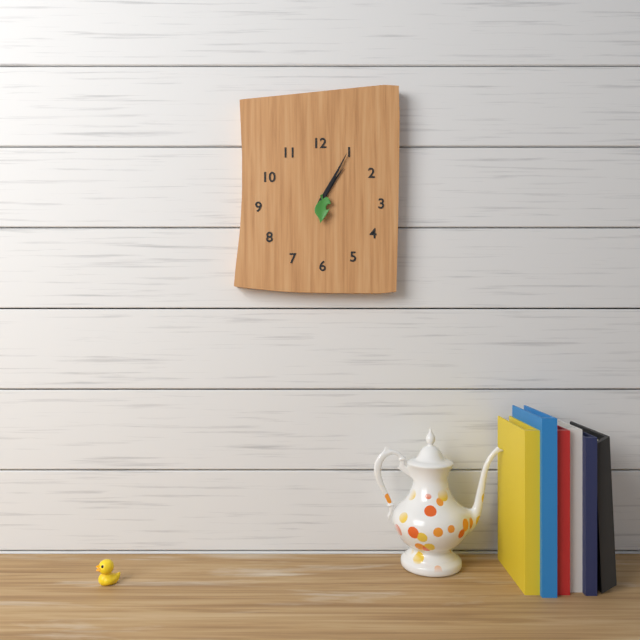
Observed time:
{"hour": 1, "minute": 5}
